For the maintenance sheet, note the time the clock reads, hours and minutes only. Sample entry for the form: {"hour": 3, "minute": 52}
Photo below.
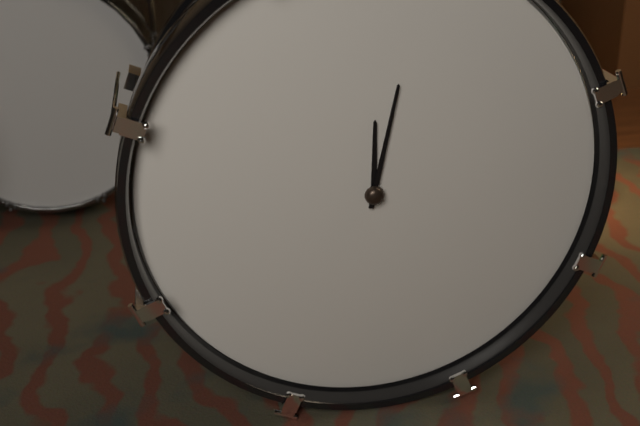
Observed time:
{"hour": 12, "minute": 2}
